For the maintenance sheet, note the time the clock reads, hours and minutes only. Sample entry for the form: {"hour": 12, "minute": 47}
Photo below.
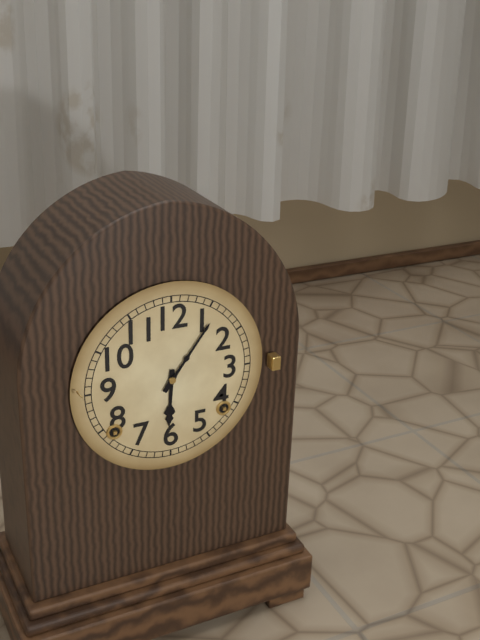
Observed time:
{"hour": 6, "minute": 6}
